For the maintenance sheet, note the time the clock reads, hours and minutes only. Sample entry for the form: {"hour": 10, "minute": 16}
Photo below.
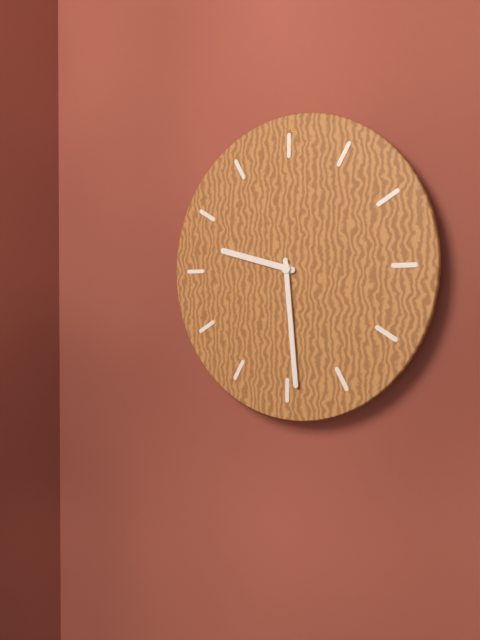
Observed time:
{"hour": 9, "minute": 29}
